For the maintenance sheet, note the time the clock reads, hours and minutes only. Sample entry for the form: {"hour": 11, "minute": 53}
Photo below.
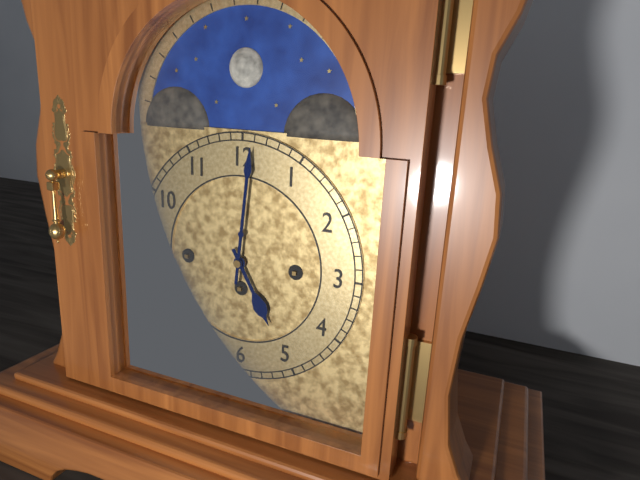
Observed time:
{"hour": 5, "minute": 1}
